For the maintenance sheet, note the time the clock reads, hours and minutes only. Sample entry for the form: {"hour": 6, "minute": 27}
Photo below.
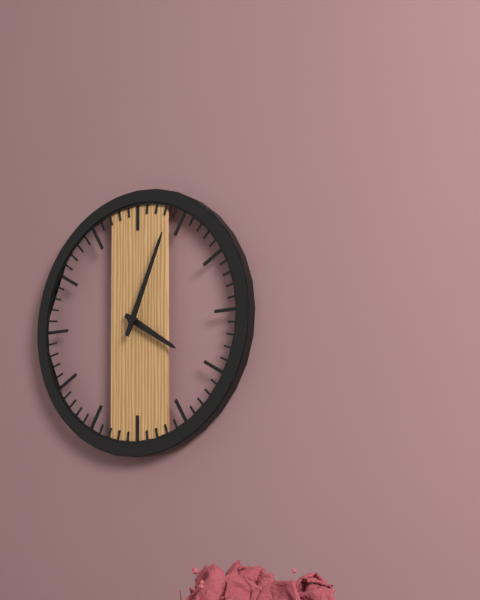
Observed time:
{"hour": 4, "minute": 4}
